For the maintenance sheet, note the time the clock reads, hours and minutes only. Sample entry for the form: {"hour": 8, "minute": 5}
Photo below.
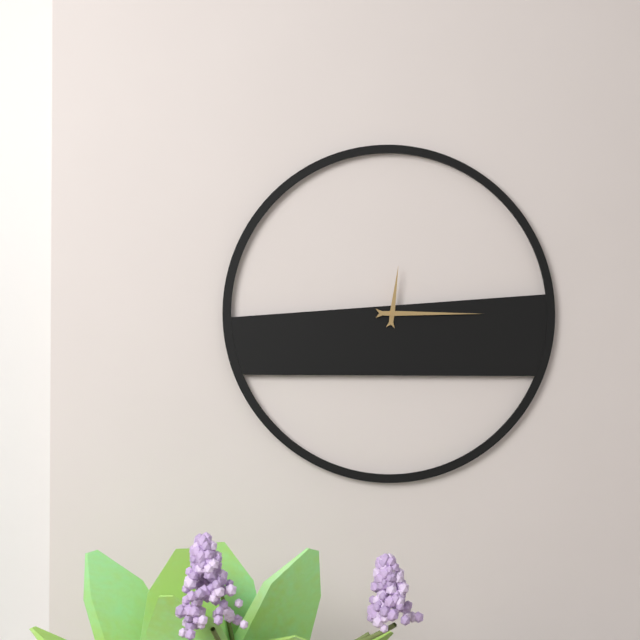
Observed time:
{"hour": 12, "minute": 15}
